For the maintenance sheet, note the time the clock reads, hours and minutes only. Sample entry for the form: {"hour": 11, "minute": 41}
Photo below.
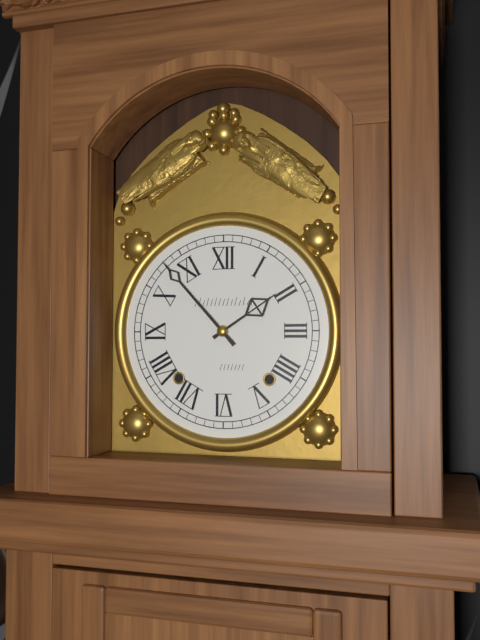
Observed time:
{"hour": 1, "minute": 53}
